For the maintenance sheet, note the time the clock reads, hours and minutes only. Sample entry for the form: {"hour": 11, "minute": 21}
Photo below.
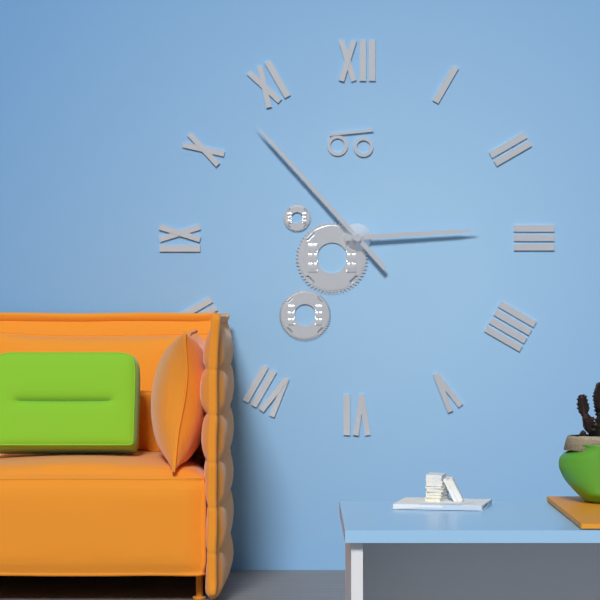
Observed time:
{"hour": 2, "minute": 53}
